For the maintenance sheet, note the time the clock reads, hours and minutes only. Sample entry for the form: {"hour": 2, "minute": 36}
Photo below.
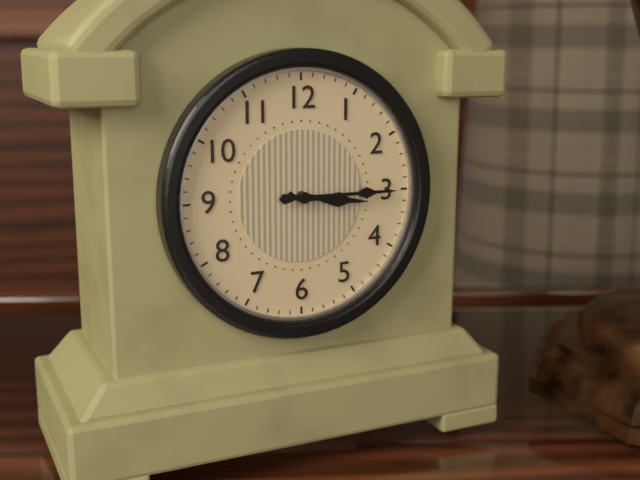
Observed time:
{"hour": 3, "minute": 15}
